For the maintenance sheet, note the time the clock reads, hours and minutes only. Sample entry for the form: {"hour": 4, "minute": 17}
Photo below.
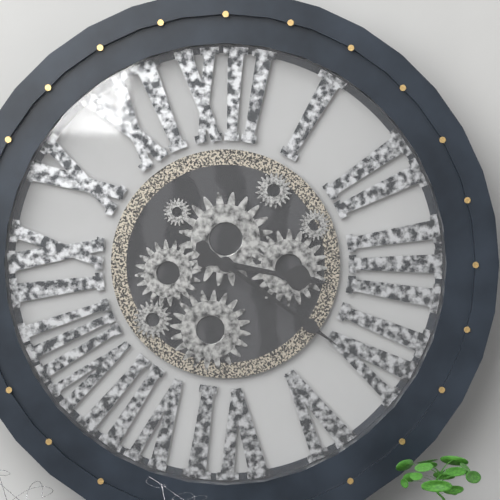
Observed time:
{"hour": 3, "minute": 21}
